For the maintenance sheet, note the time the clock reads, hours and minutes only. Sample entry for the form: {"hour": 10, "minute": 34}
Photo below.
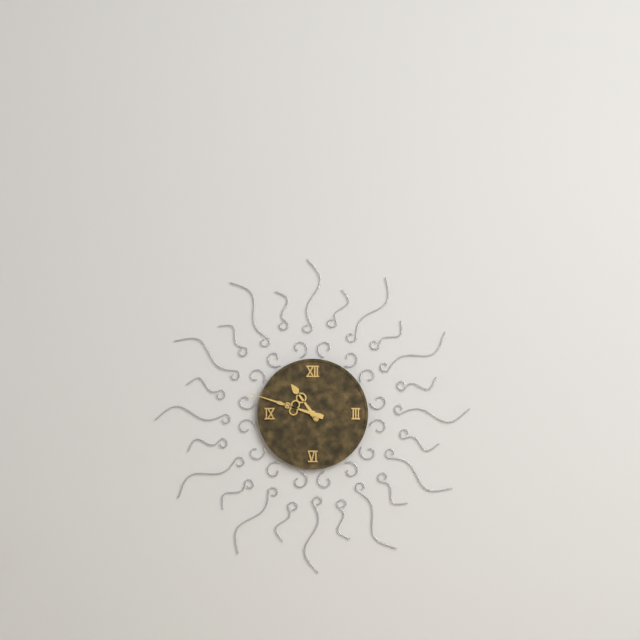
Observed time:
{"hour": 10, "minute": 48}
